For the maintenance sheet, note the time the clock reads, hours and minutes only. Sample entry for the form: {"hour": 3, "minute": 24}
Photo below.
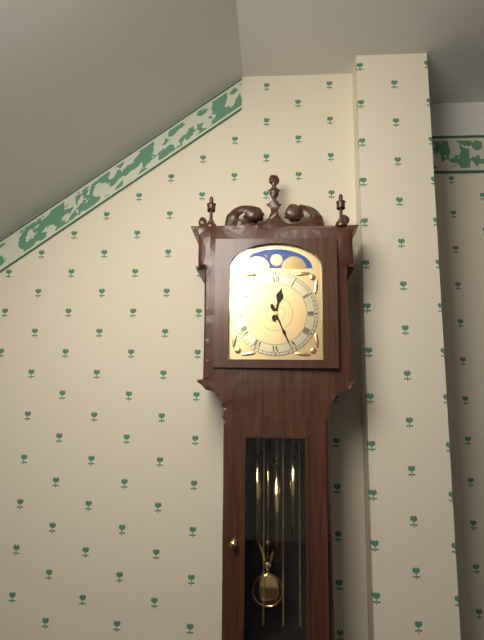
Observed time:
{"hour": 12, "minute": 26}
